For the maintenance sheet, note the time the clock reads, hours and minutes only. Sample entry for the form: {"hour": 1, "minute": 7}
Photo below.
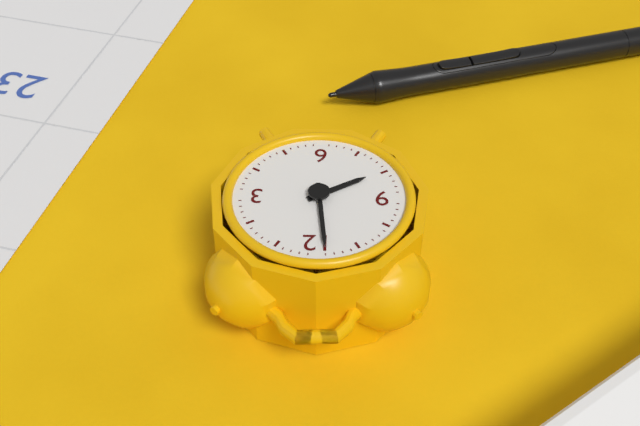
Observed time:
{"hour": 7, "minute": 59}
